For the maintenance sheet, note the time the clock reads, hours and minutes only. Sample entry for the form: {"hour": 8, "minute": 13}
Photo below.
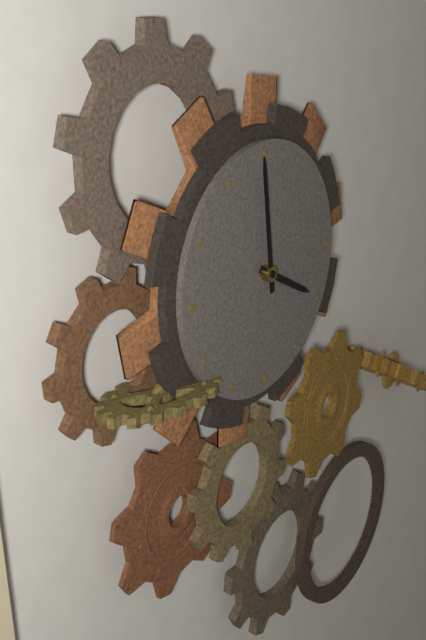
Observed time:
{"hour": 3, "minute": 59}
